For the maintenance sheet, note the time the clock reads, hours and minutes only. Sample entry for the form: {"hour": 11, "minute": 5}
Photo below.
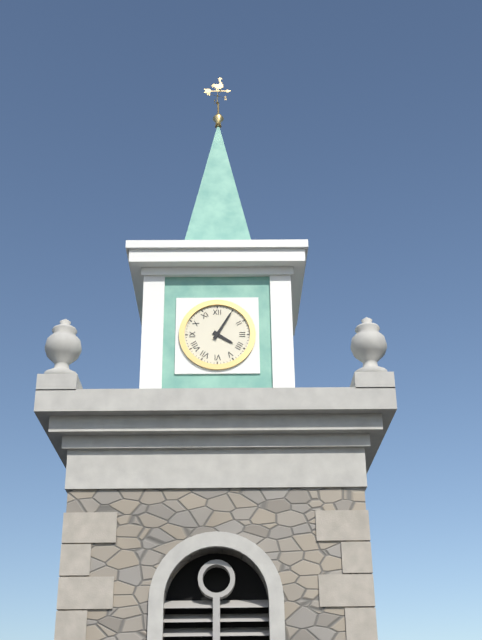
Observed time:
{"hour": 4, "minute": 5}
